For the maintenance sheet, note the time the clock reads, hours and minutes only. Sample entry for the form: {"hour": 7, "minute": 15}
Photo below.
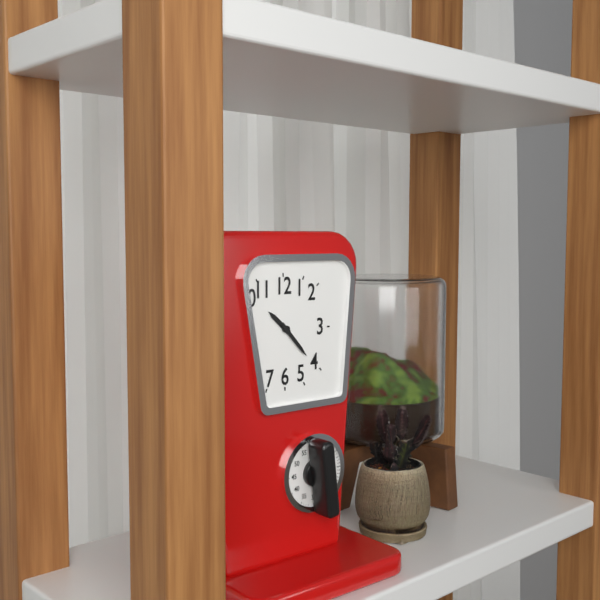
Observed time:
{"hour": 10, "minute": 23}
